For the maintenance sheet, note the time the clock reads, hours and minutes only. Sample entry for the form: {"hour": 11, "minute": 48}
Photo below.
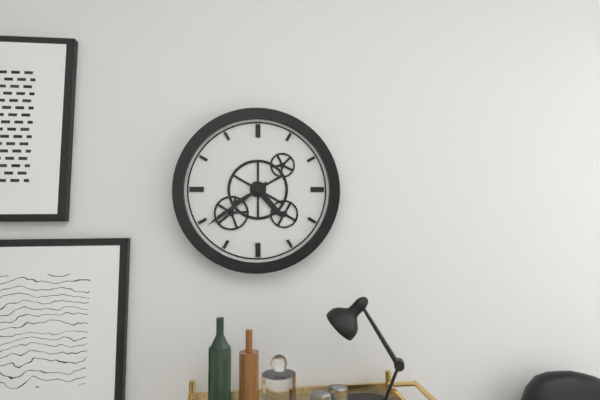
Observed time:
{"hour": 4, "minute": 39}
